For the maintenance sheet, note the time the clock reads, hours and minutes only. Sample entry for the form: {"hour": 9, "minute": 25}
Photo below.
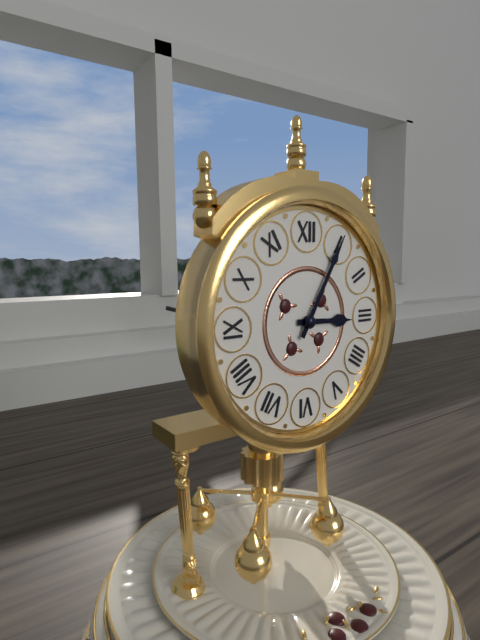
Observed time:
{"hour": 3, "minute": 5}
